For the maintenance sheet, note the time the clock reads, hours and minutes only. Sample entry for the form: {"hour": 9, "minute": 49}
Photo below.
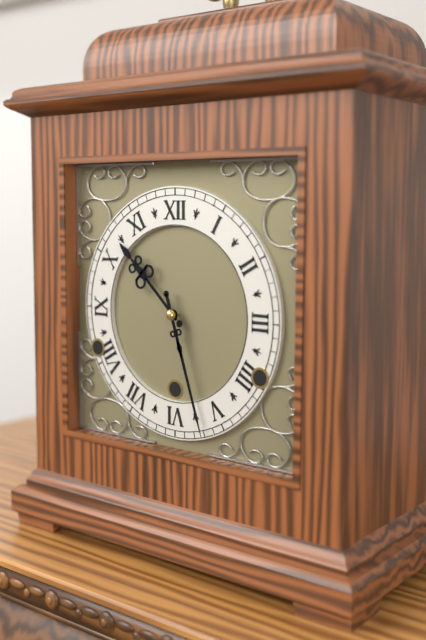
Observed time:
{"hour": 10, "minute": 27}
